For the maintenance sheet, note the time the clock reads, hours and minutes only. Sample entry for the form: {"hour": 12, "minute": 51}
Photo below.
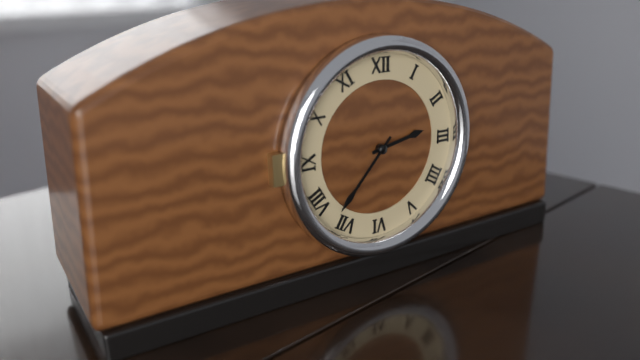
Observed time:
{"hour": 2, "minute": 37}
